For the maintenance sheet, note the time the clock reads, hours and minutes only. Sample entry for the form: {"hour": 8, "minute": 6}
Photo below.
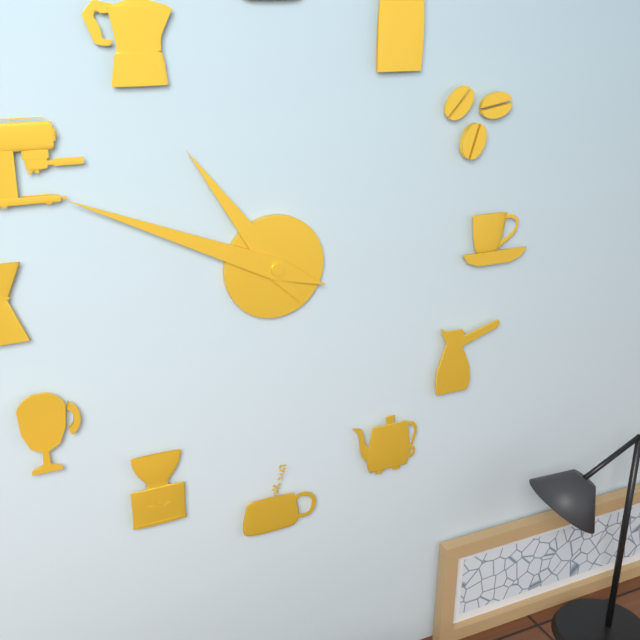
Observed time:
{"hour": 10, "minute": 49}
